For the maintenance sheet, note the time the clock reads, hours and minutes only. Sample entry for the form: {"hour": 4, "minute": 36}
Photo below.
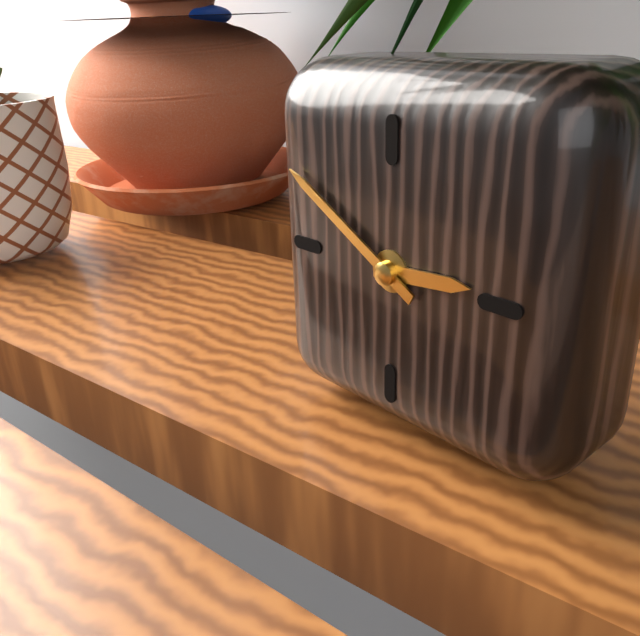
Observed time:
{"hour": 2, "minute": 50}
